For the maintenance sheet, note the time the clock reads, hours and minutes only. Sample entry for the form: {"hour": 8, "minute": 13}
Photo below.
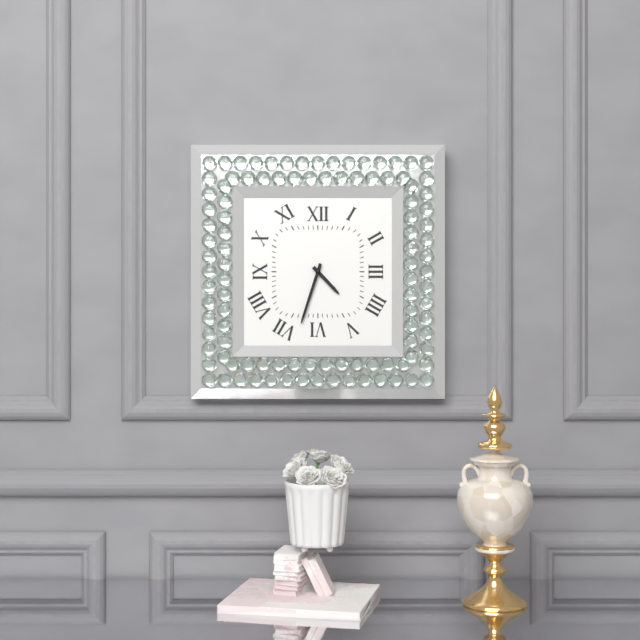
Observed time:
{"hour": 4, "minute": 33}
